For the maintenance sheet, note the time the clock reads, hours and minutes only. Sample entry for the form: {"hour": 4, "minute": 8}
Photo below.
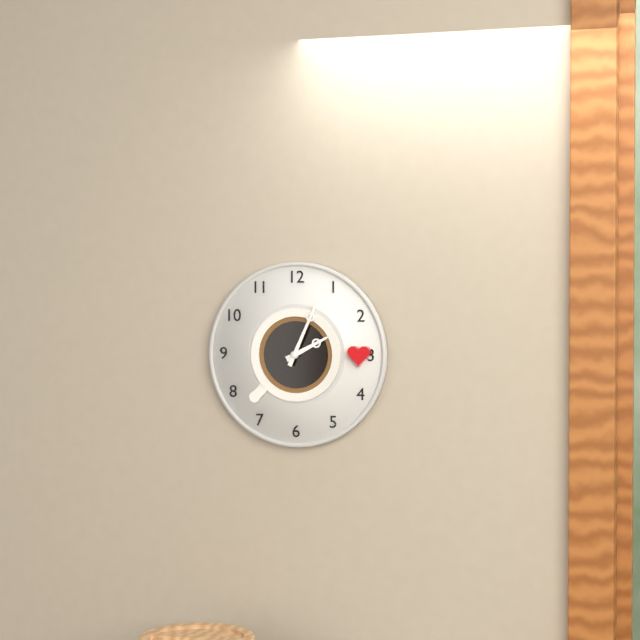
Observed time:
{"hour": 2, "minute": 4}
